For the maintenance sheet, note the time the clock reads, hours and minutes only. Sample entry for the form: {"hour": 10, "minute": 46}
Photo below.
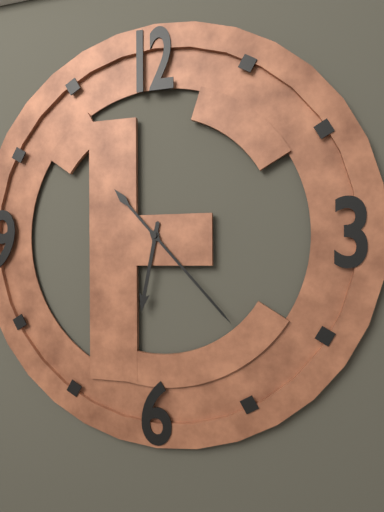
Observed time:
{"hour": 6, "minute": 23}
